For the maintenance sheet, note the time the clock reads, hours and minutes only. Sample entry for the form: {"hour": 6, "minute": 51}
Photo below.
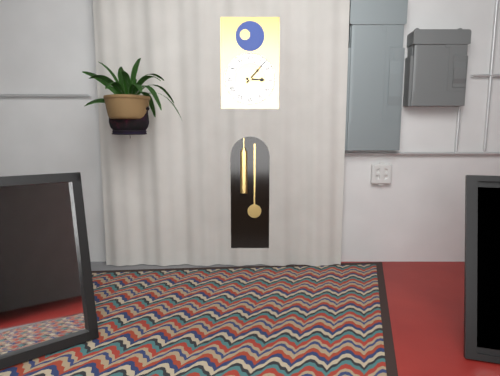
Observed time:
{"hour": 3, "minute": 7}
